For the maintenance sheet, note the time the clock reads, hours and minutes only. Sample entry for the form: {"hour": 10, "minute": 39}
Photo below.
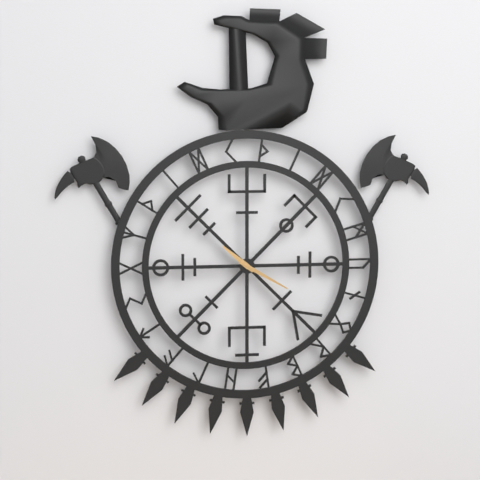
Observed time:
{"hour": 10, "minute": 20}
